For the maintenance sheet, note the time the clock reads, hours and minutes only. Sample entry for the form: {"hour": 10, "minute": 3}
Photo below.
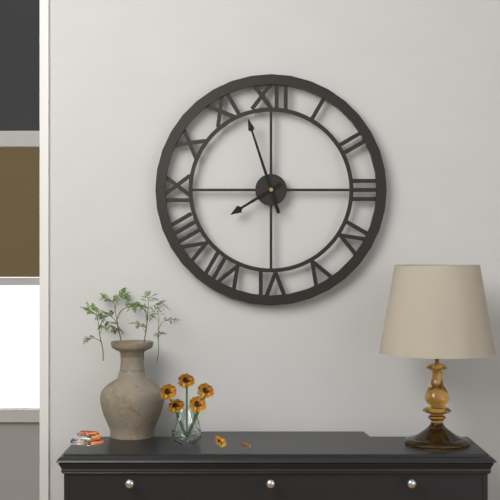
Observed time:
{"hour": 7, "minute": 57}
